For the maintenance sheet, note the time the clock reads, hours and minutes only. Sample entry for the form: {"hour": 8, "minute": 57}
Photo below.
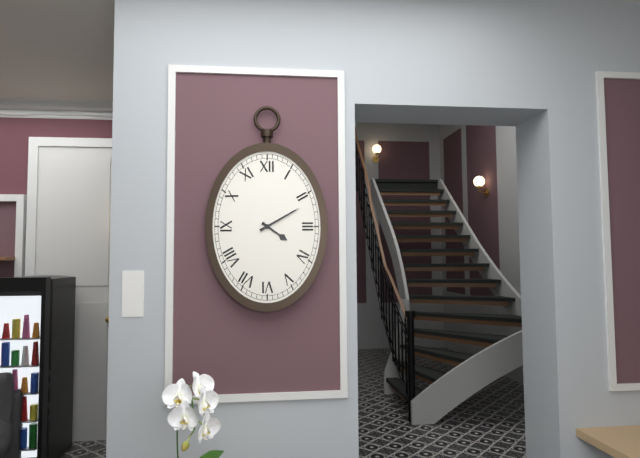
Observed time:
{"hour": 4, "minute": 10}
